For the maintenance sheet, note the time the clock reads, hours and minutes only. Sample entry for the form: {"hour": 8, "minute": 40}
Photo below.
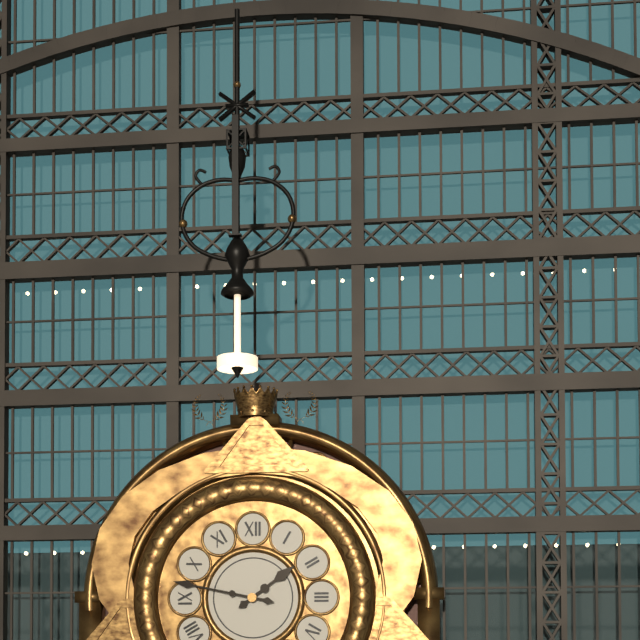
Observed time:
{"hour": 1, "minute": 47}
